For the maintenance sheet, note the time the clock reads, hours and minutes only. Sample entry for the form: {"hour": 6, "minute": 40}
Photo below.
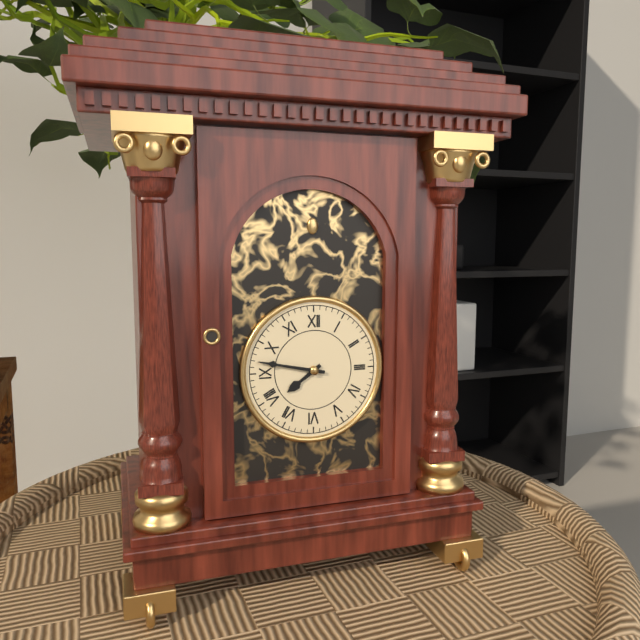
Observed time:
{"hour": 7, "minute": 47}
